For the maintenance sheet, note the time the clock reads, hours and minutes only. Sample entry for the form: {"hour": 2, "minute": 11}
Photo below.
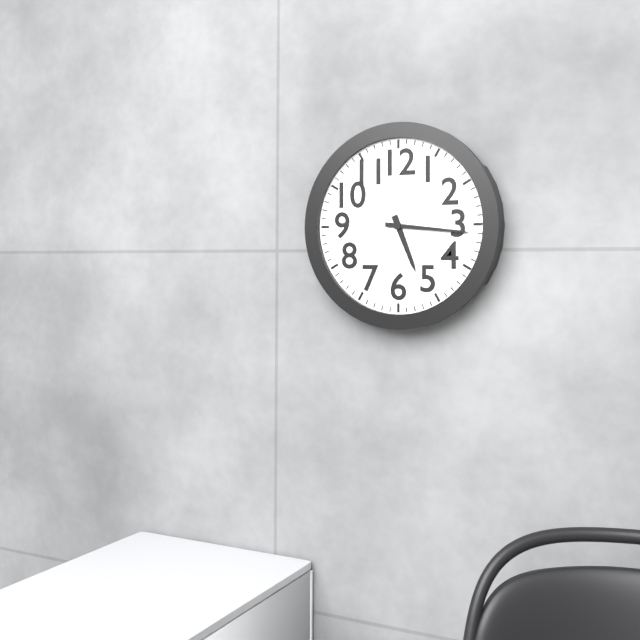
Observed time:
{"hour": 5, "minute": 16}
